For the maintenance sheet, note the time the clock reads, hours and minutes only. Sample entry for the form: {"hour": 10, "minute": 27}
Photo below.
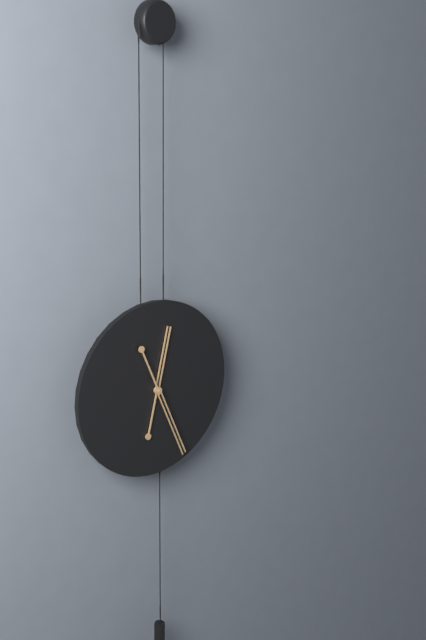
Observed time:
{"hour": 12, "minute": 26}
